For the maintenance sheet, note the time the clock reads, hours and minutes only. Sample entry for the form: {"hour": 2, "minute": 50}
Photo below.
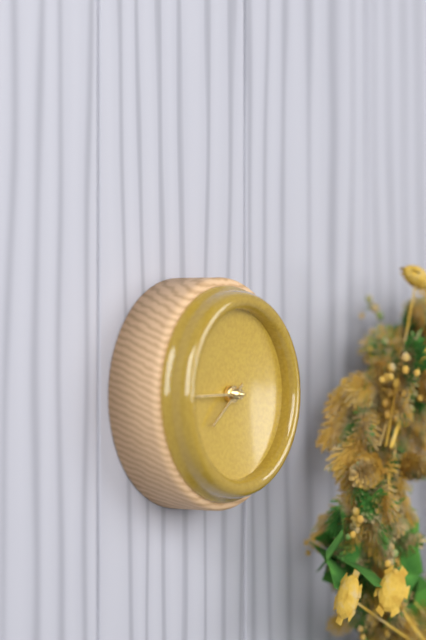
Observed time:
{"hour": 7, "minute": 45}
